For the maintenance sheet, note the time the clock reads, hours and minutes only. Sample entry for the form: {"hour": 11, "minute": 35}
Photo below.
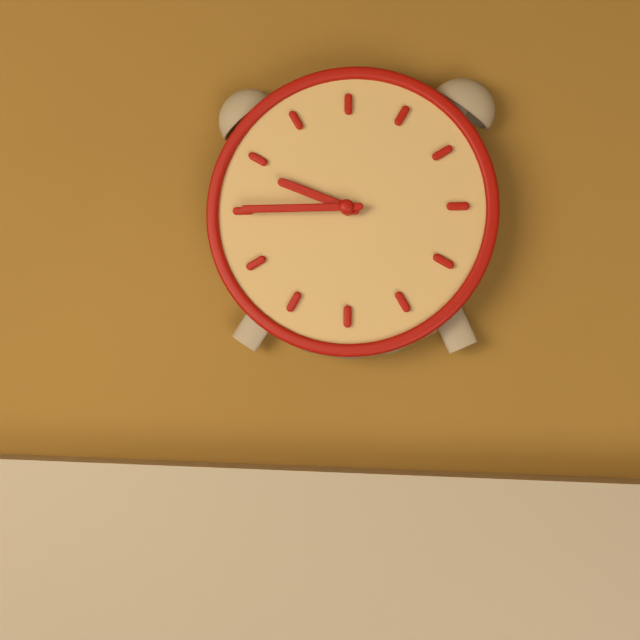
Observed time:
{"hour": 9, "minute": 45}
